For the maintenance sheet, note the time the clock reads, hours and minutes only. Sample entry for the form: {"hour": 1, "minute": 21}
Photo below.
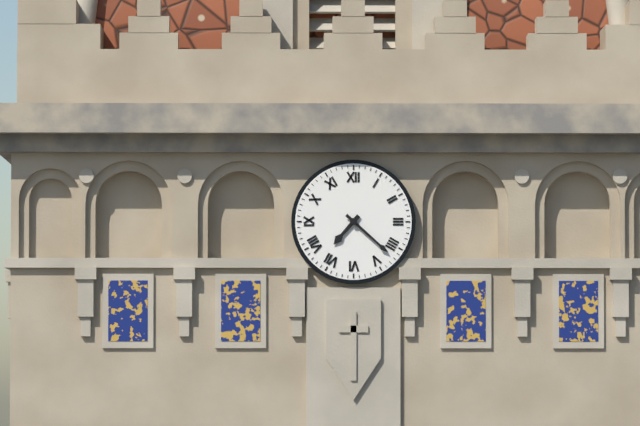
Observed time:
{"hour": 7, "minute": 22}
